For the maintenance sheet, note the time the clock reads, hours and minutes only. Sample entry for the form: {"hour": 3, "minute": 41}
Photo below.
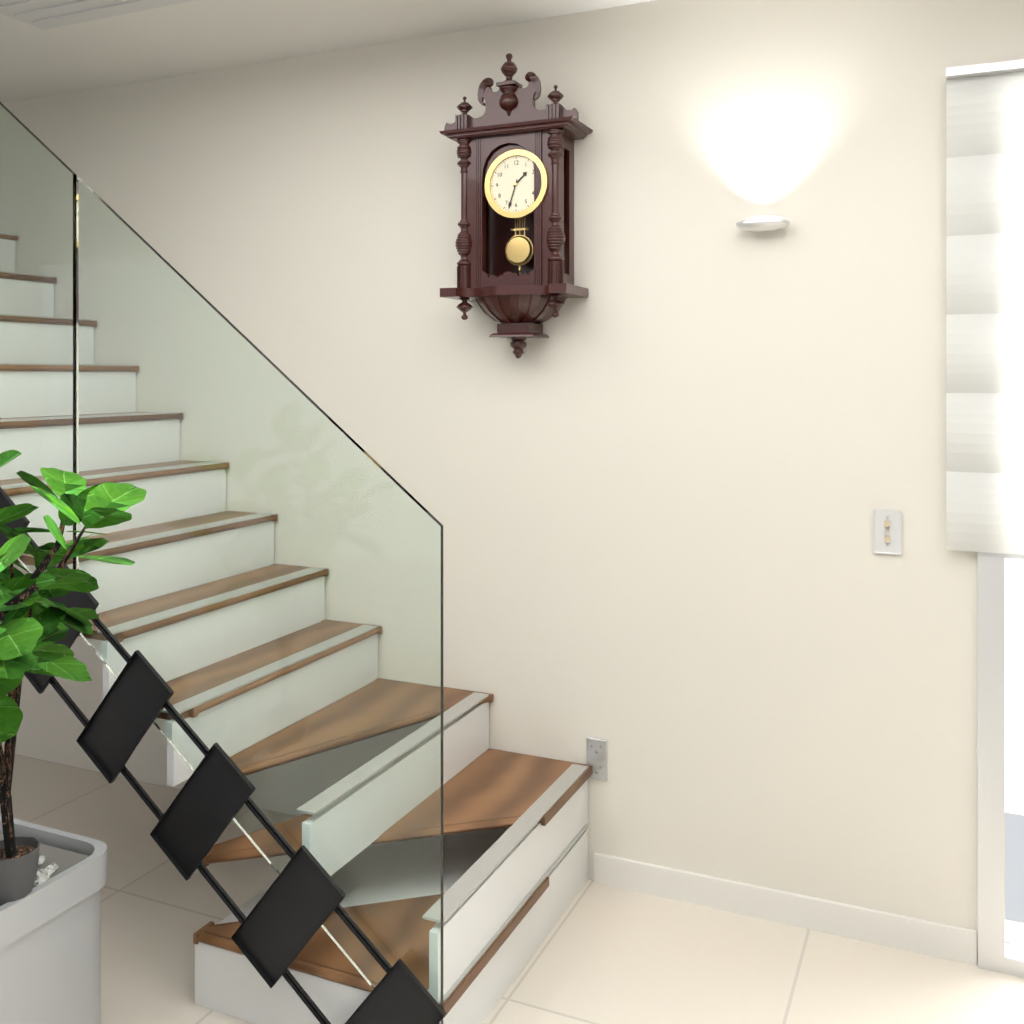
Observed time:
{"hour": 1, "minute": 33}
